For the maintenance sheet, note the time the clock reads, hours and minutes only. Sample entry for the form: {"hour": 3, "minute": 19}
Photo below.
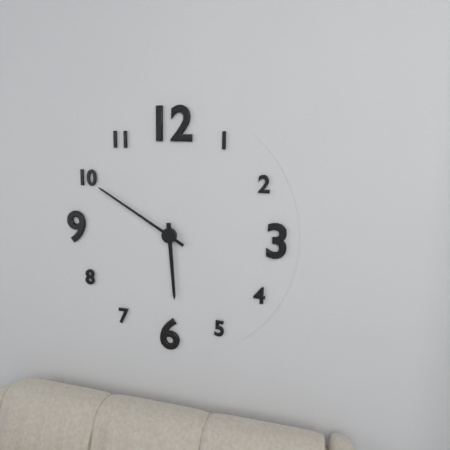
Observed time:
{"hour": 5, "minute": 50}
